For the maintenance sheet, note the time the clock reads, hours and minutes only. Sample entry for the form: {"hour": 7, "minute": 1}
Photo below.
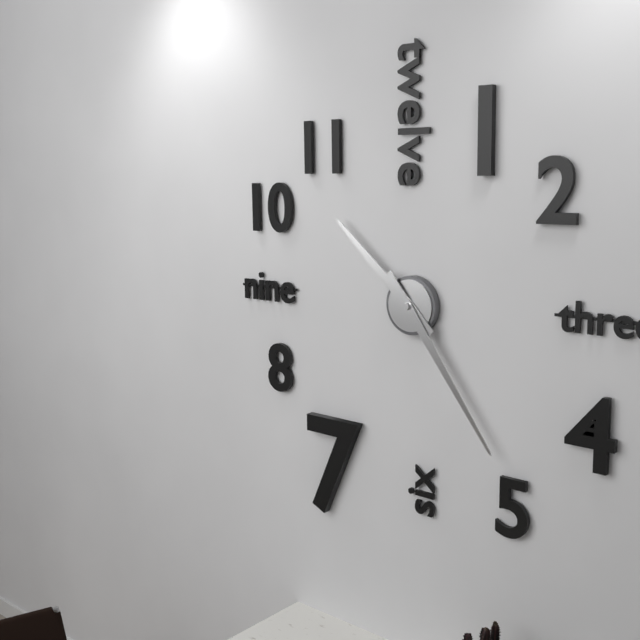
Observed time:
{"hour": 10, "minute": 24}
